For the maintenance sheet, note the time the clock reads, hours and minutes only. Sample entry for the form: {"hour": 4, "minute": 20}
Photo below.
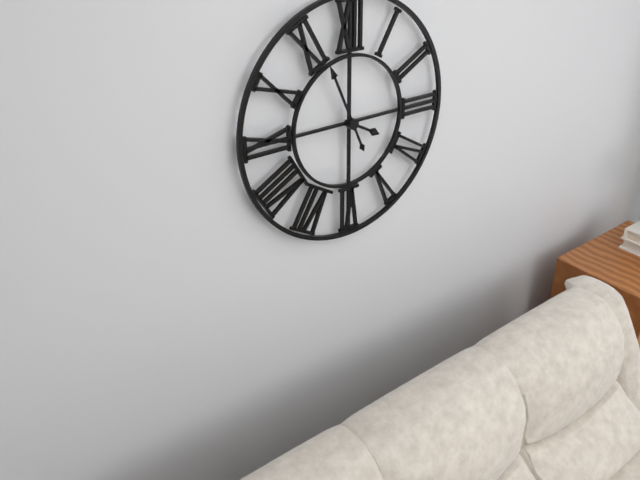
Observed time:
{"hour": 3, "minute": 56}
